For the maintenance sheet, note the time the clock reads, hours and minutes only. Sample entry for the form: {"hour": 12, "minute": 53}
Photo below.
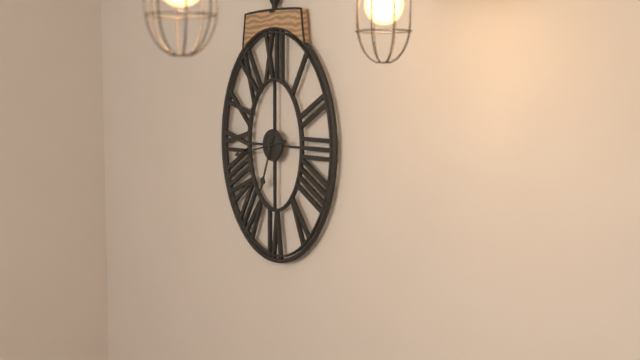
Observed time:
{"hour": 6, "minute": 43}
